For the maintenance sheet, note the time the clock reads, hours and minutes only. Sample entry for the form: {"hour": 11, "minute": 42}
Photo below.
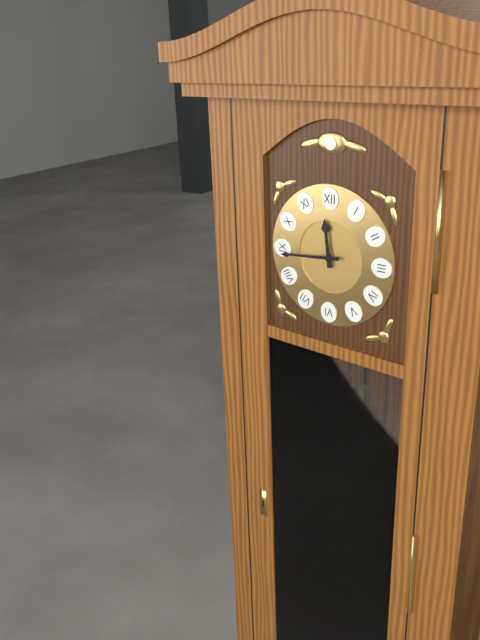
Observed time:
{"hour": 11, "minute": 44}
